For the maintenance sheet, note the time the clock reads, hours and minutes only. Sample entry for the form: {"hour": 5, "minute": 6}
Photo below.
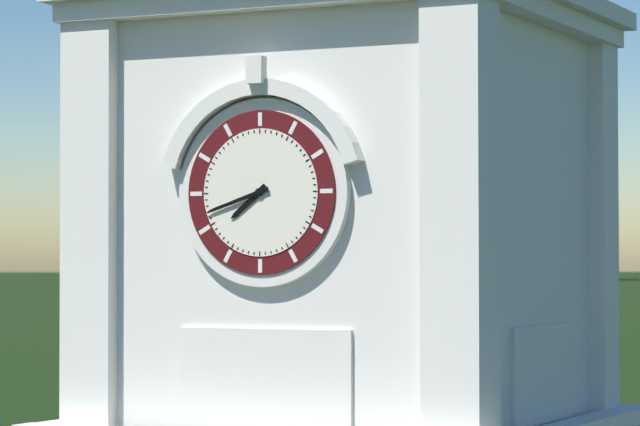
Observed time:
{"hour": 7, "minute": 42}
